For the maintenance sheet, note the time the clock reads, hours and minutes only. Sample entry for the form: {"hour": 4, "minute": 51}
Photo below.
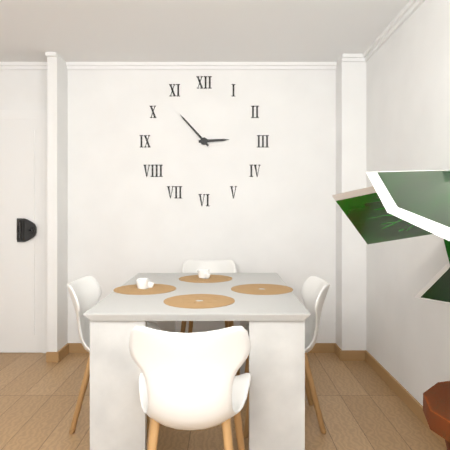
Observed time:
{"hour": 2, "minute": 53}
